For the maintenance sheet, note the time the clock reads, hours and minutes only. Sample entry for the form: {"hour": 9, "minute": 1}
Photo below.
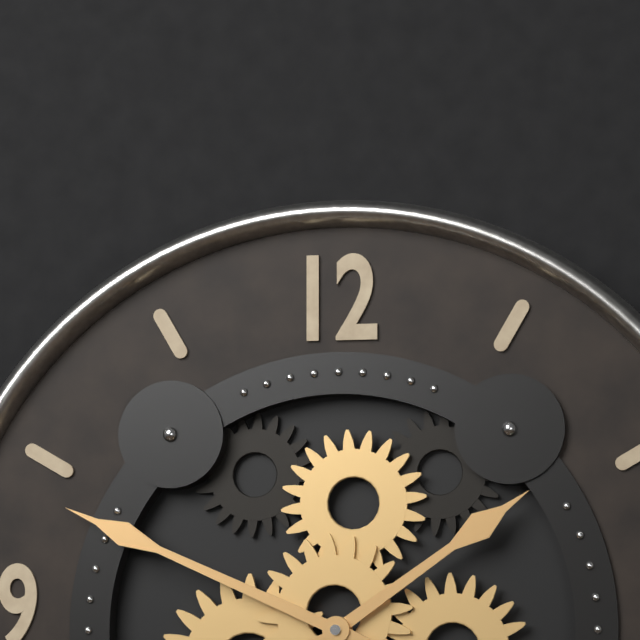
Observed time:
{"hour": 1, "minute": 49}
